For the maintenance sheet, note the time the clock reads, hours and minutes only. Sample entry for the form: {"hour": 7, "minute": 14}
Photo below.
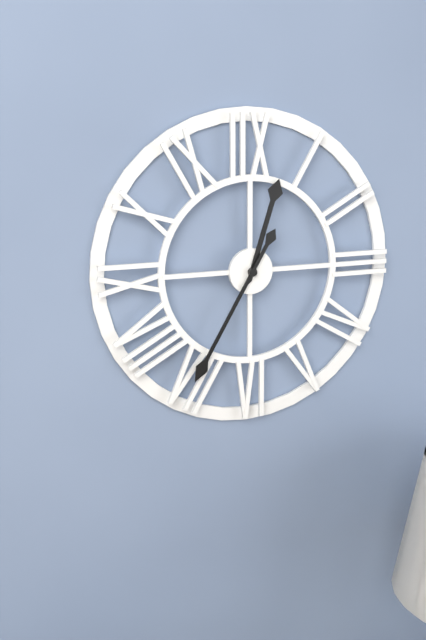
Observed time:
{"hour": 12, "minute": 35}
